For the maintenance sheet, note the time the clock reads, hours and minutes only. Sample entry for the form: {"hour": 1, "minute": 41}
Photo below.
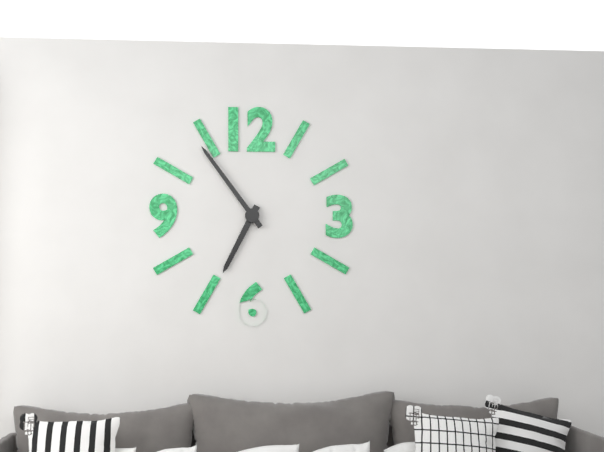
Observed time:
{"hour": 6, "minute": 54}
